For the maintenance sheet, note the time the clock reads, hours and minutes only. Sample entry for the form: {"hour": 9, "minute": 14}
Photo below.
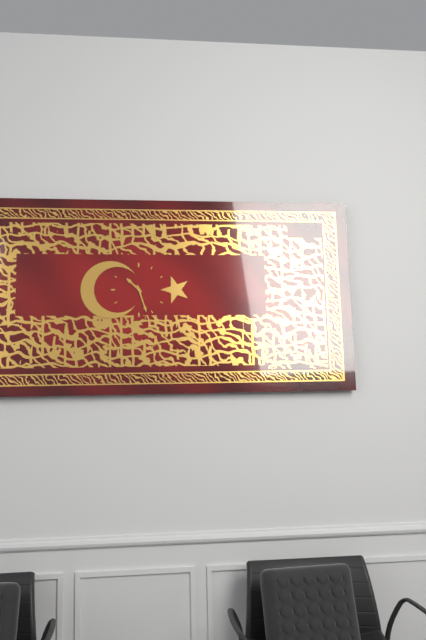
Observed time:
{"hour": 10, "minute": 27}
